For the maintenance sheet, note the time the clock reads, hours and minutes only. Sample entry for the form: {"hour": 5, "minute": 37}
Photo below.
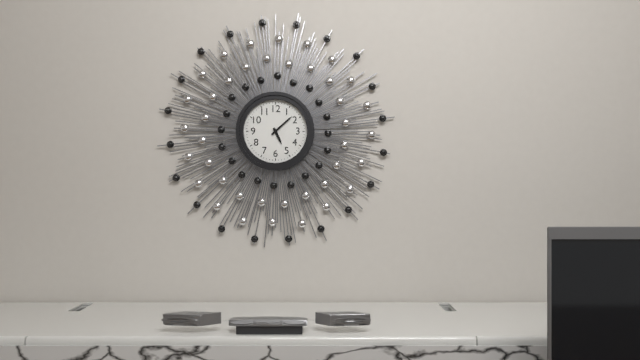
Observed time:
{"hour": 5, "minute": 8}
